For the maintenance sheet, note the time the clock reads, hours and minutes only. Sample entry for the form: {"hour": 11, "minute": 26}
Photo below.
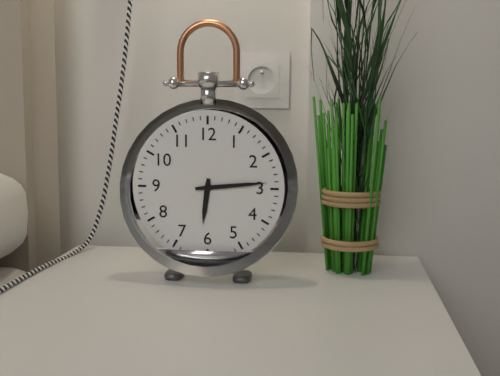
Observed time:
{"hour": 6, "minute": 14}
